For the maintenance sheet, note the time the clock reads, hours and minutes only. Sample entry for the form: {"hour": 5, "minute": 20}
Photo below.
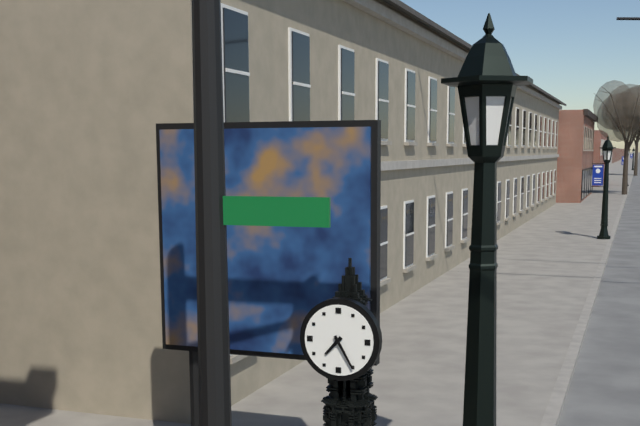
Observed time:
{"hour": 7, "minute": 25}
